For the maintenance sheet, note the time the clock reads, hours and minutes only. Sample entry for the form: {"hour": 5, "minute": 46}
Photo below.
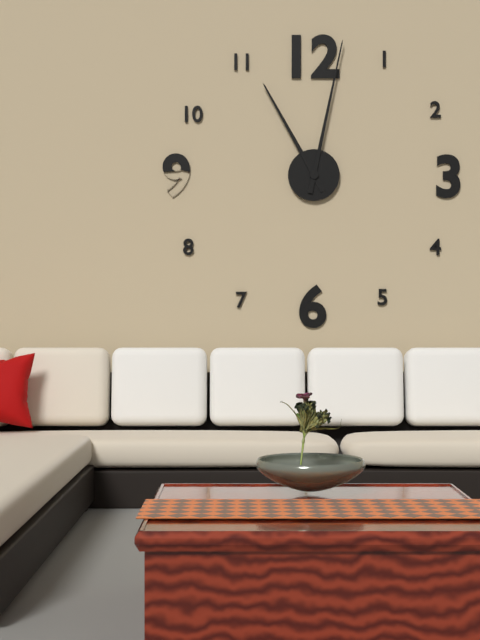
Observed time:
{"hour": 11, "minute": 2}
